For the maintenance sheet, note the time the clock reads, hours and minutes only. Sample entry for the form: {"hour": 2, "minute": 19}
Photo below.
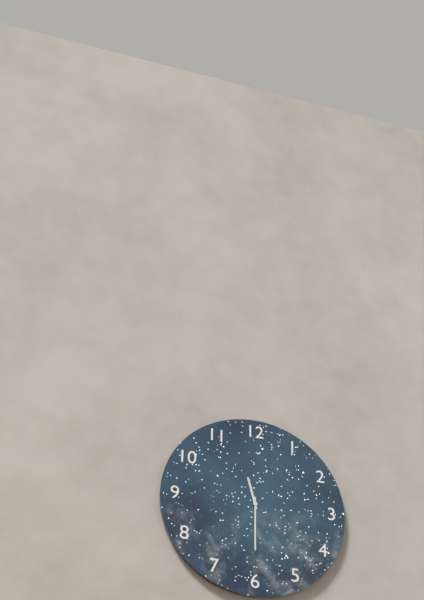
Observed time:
{"hour": 11, "minute": 30}
